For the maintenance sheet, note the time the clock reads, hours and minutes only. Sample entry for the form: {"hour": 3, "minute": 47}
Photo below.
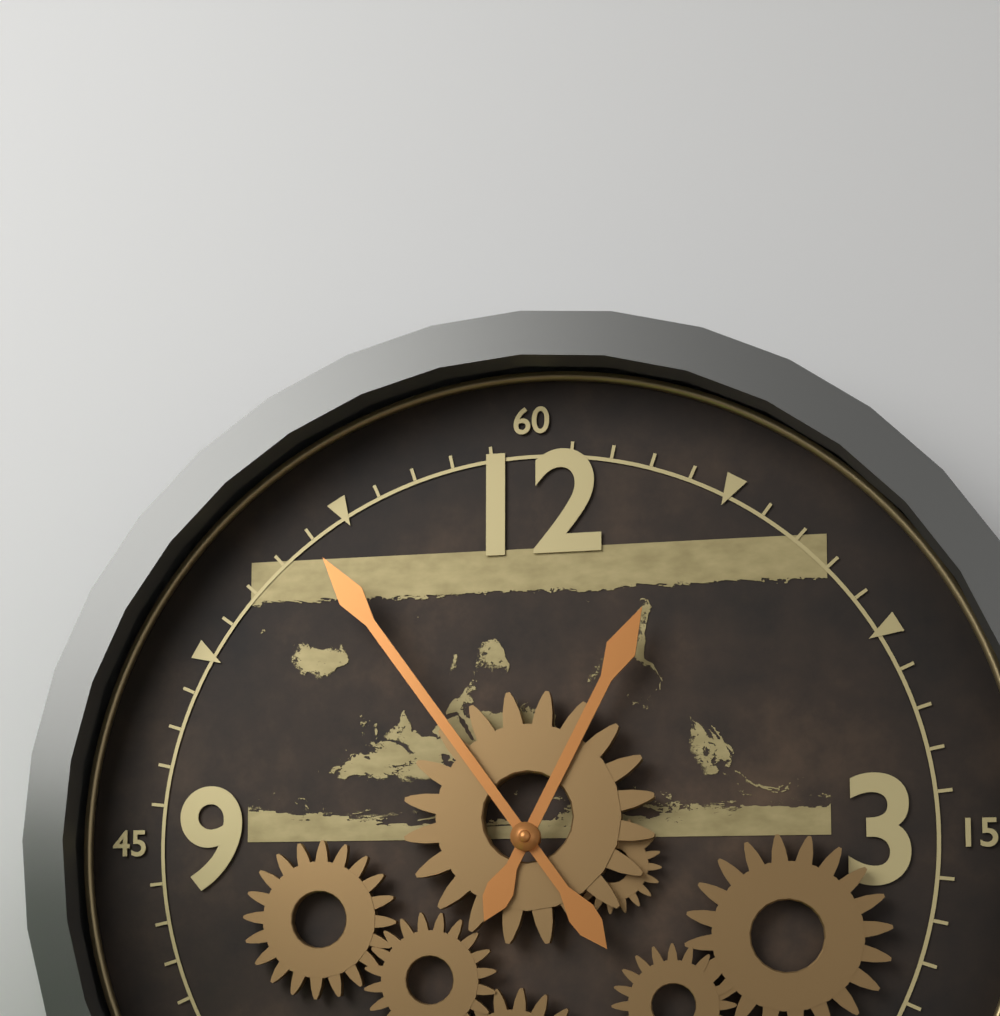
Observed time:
{"hour": 12, "minute": 54}
